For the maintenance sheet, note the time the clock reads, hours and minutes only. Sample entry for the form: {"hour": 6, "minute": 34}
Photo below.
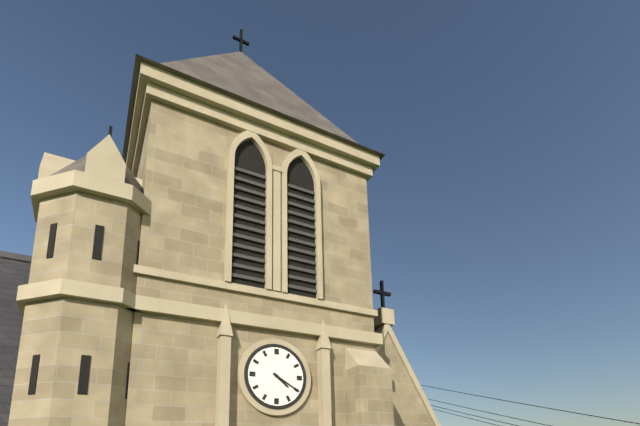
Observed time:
{"hour": 4, "minute": 20}
